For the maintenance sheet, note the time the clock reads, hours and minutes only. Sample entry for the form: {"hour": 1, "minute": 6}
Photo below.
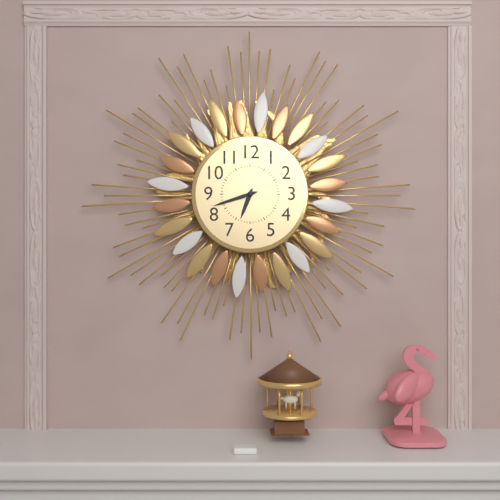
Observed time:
{"hour": 6, "minute": 42}
